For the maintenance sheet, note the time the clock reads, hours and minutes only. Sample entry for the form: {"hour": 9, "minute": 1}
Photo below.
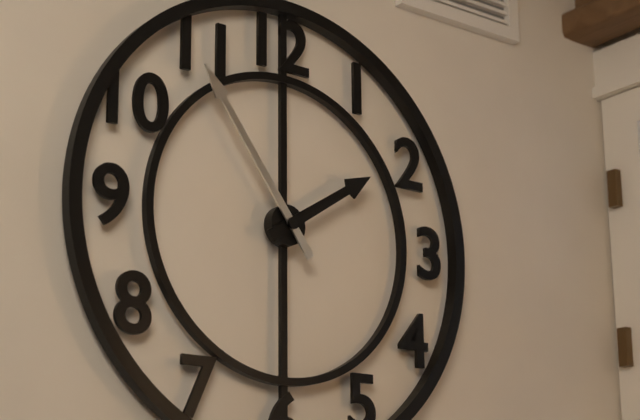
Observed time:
{"hour": 1, "minute": 54}
